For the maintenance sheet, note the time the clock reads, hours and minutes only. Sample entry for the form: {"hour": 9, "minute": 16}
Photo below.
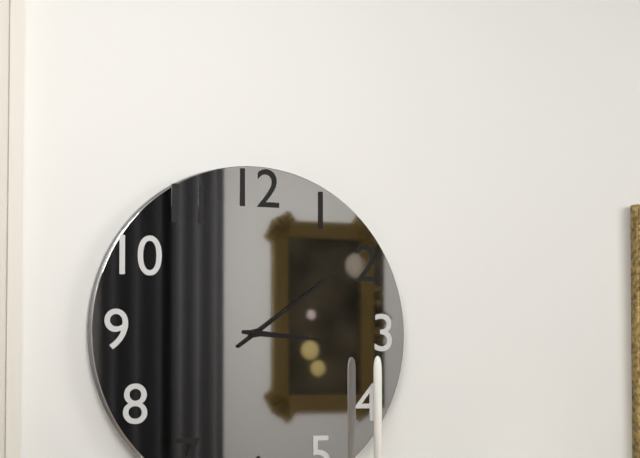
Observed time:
{"hour": 3, "minute": 9}
